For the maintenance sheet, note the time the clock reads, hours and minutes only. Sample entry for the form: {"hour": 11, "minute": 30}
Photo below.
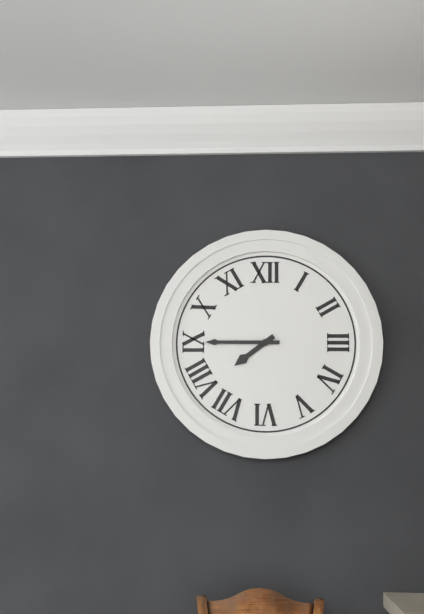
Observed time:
{"hour": 7, "minute": 45}
